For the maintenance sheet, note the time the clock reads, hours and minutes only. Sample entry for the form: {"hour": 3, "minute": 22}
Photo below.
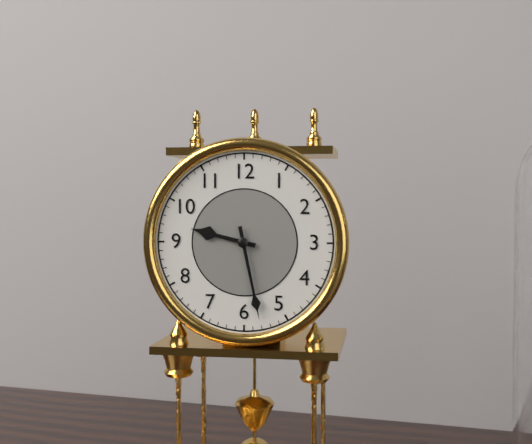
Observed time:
{"hour": 9, "minute": 28}
